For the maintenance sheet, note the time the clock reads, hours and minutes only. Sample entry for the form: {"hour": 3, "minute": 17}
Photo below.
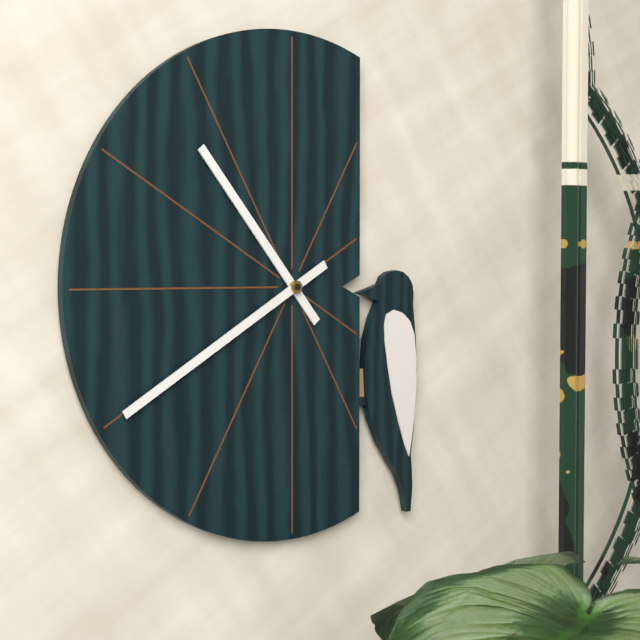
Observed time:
{"hour": 10, "minute": 40}
